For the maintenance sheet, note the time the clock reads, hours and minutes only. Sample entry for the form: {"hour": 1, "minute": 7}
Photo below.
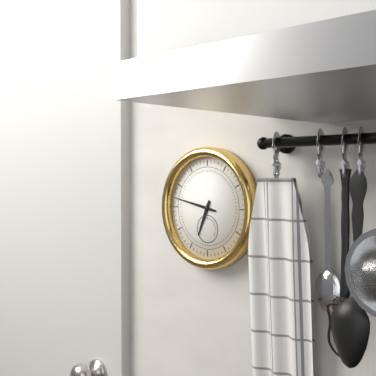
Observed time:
{"hour": 6, "minute": 47}
